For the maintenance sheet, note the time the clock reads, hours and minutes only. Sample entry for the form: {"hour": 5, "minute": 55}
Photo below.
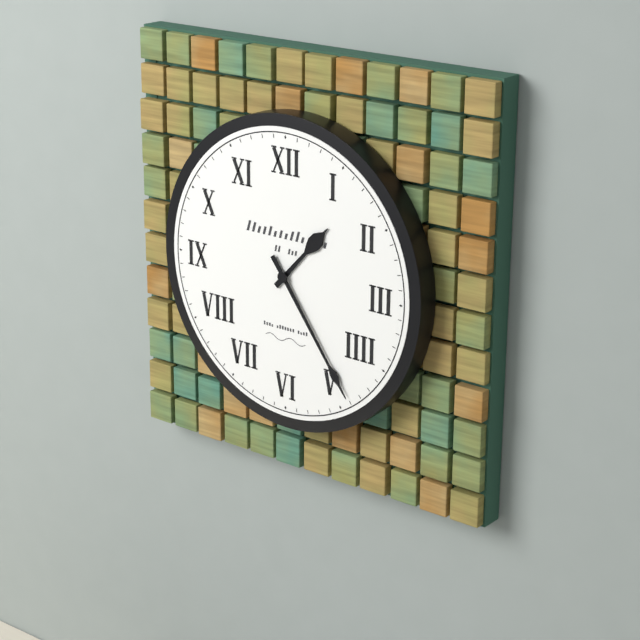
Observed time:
{"hour": 1, "minute": 24}
